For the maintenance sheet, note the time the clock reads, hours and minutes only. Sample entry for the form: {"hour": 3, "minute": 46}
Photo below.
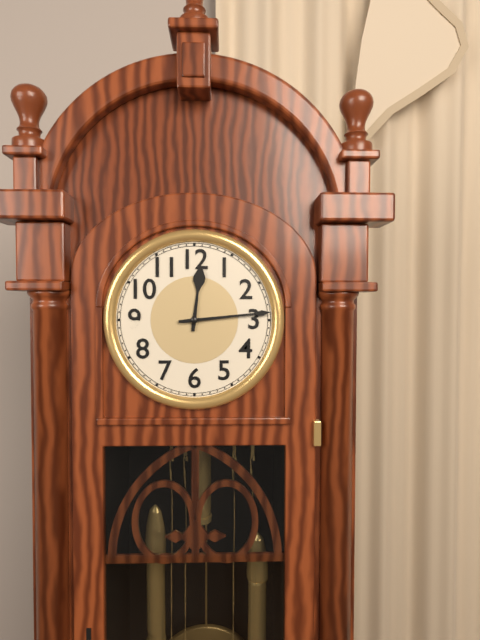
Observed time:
{"hour": 12, "minute": 14}
